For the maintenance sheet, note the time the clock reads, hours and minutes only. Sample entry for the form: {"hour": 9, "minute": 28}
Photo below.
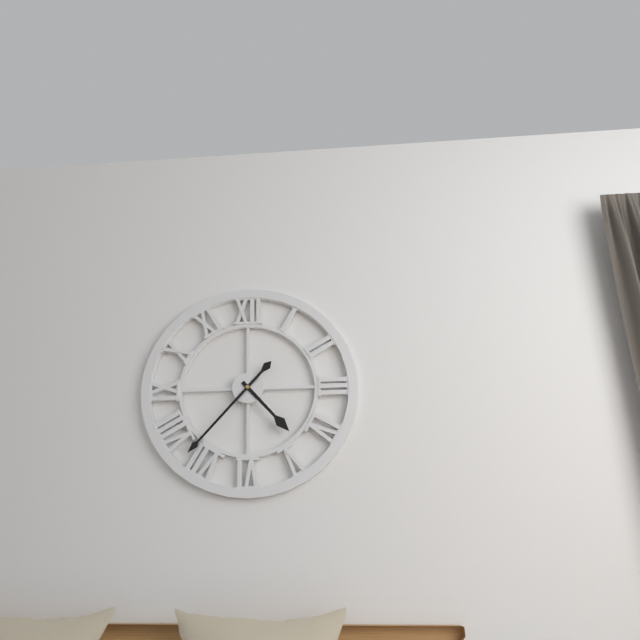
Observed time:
{"hour": 4, "minute": 37}
